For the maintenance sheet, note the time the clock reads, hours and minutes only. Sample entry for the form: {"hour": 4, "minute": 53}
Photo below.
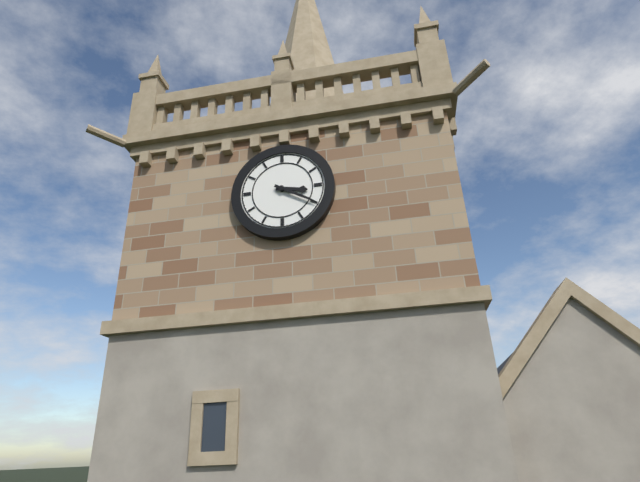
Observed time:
{"hour": 3, "minute": 20}
